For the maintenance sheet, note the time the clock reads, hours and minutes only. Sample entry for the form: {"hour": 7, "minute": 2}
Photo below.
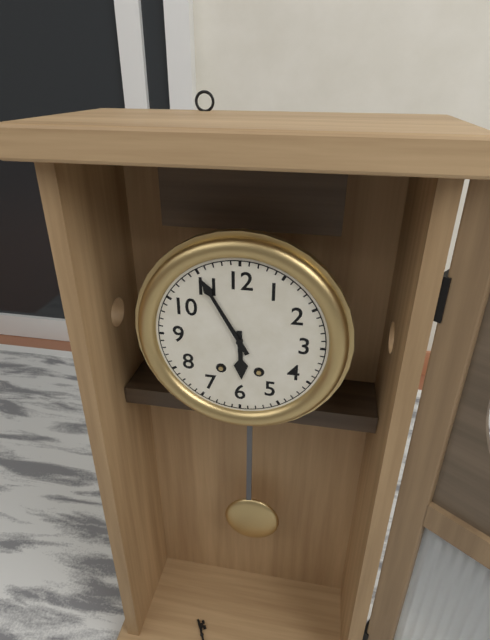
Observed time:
{"hour": 5, "minute": 55}
